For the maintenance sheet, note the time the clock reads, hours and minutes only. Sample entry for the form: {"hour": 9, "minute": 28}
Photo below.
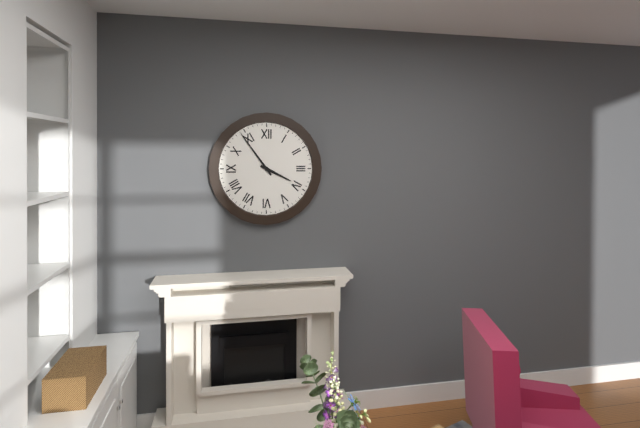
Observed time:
{"hour": 3, "minute": 54}
